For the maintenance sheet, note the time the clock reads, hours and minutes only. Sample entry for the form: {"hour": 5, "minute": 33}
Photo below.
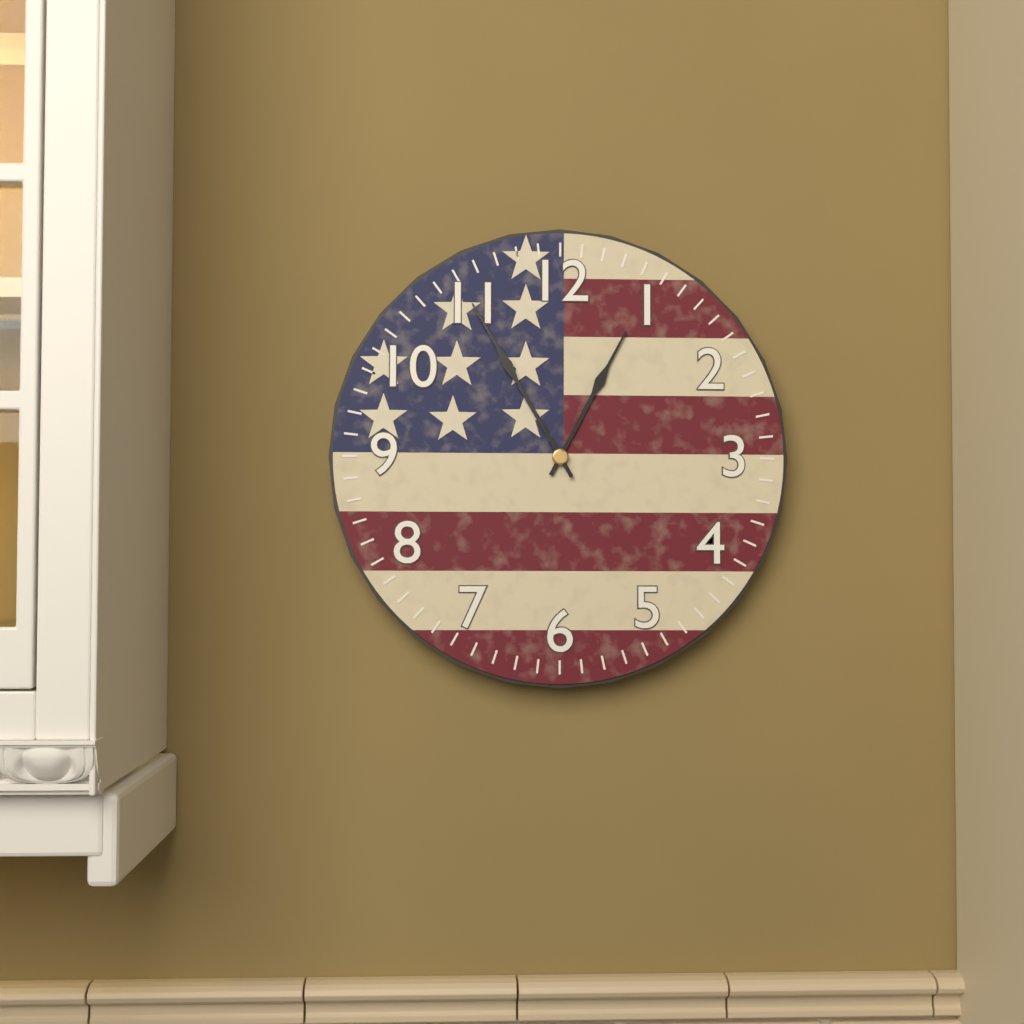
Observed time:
{"hour": 12, "minute": 55}
